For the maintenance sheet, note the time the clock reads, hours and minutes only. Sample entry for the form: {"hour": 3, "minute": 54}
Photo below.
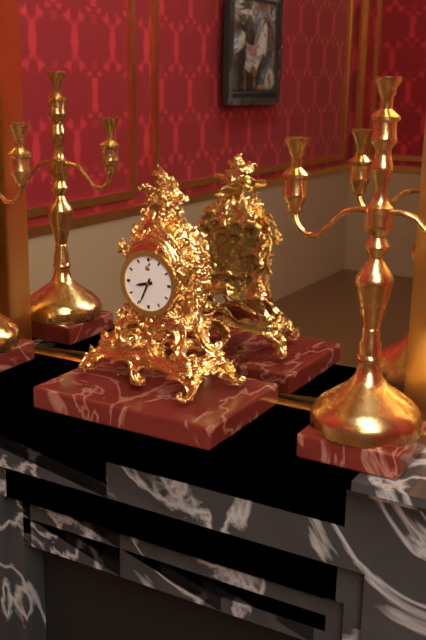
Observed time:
{"hour": 8, "minute": 34}
